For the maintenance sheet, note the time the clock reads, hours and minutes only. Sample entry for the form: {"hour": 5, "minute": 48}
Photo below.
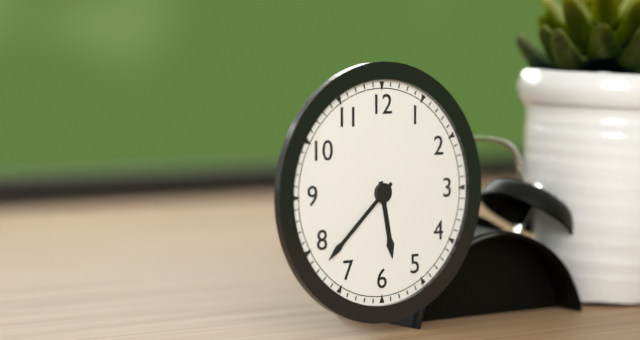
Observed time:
{"hour": 5, "minute": 38}
